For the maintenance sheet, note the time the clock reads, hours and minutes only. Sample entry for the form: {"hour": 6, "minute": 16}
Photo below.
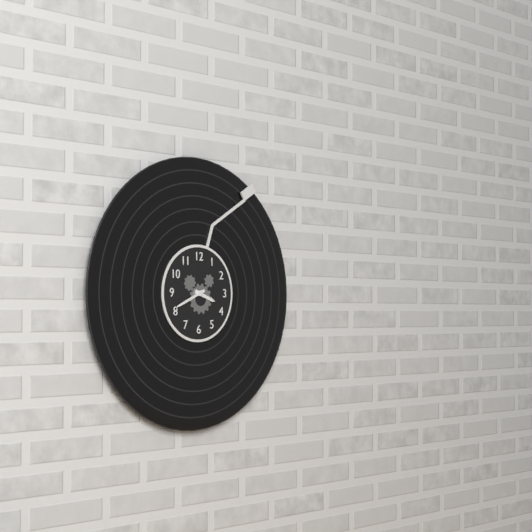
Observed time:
{"hour": 3, "minute": 41}
